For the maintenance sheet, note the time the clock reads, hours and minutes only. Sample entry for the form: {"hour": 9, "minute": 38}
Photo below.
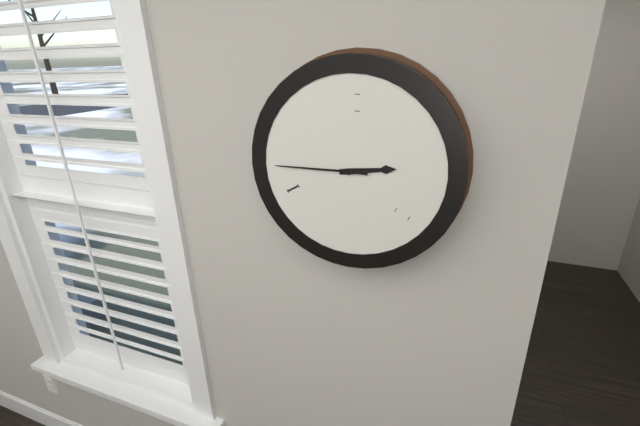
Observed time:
{"hour": 2, "minute": 45}
